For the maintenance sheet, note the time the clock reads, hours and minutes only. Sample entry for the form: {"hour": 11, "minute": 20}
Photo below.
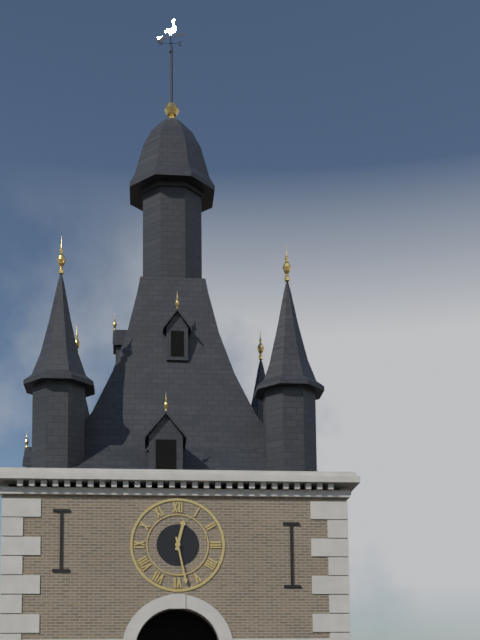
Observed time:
{"hour": 12, "minute": 28}
